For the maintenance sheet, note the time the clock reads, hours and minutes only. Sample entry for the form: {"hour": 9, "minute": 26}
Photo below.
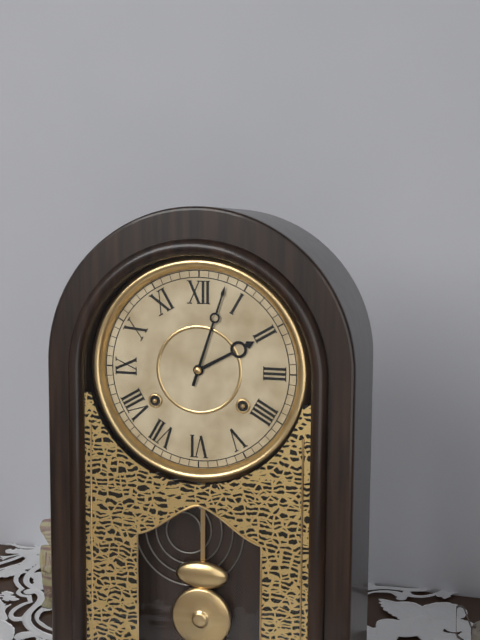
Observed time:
{"hour": 2, "minute": 3}
